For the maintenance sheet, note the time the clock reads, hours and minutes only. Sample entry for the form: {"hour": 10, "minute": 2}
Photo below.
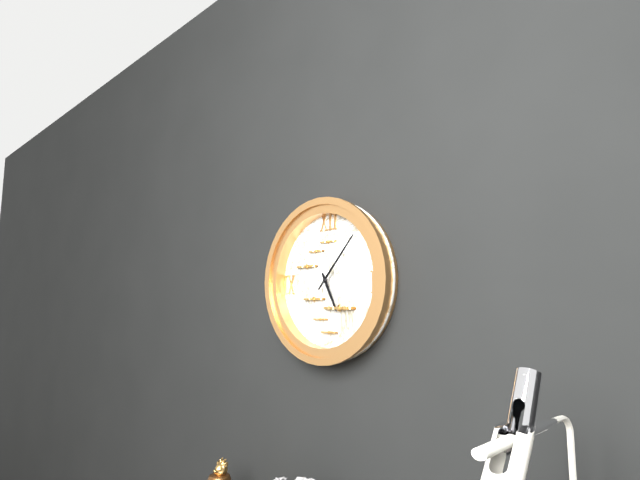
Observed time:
{"hour": 5, "minute": 7}
